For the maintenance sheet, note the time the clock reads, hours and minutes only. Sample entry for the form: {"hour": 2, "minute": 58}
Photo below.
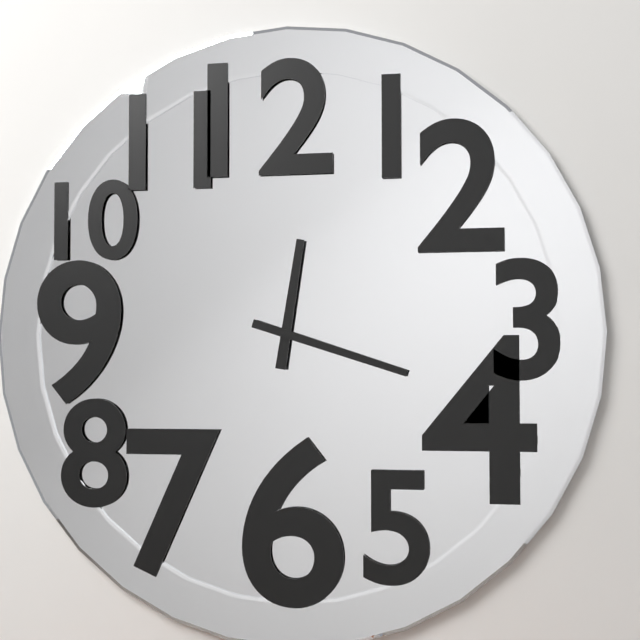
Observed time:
{"hour": 12, "minute": 18}
